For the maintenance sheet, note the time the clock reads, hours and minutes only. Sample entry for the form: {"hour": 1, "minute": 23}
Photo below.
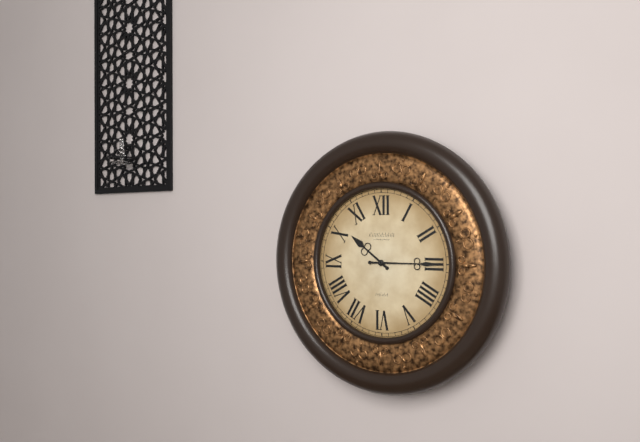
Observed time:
{"hour": 10, "minute": 15}
